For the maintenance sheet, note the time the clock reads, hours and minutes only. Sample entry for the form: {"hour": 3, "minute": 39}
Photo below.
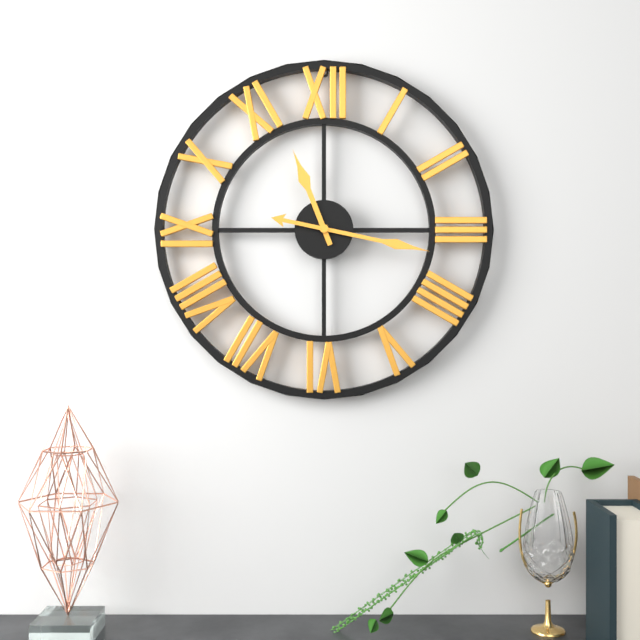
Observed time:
{"hour": 11, "minute": 17}
